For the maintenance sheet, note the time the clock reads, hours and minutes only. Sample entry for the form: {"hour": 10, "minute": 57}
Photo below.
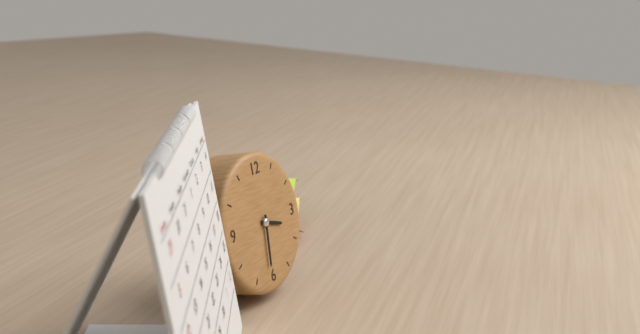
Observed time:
{"hour": 3, "minute": 31}
